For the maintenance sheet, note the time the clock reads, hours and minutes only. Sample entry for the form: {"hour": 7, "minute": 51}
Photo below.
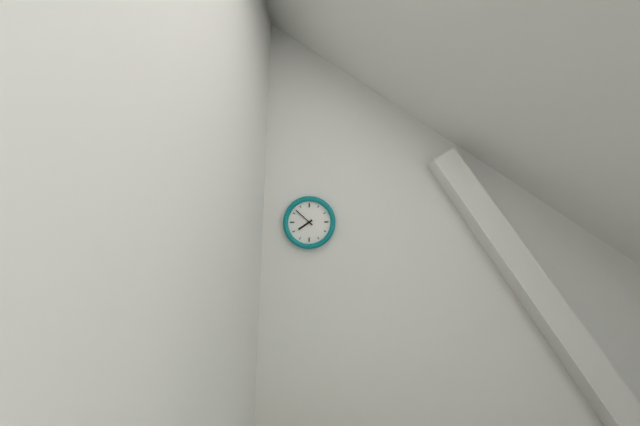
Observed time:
{"hour": 7, "minute": 52}
